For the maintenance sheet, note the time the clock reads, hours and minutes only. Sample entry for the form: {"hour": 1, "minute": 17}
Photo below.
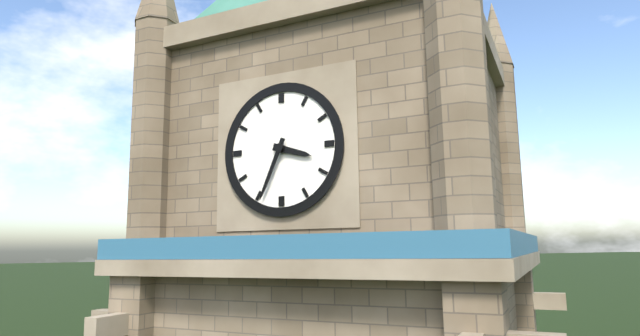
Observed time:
{"hour": 3, "minute": 34}
